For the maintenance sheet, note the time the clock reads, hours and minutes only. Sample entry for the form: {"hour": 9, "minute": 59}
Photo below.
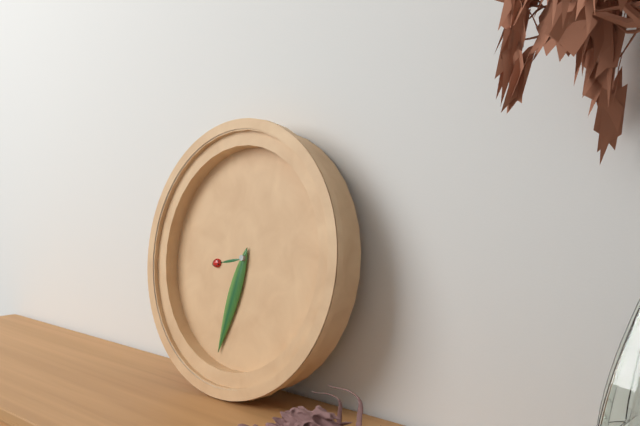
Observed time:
{"hour": 8, "minute": 32}
